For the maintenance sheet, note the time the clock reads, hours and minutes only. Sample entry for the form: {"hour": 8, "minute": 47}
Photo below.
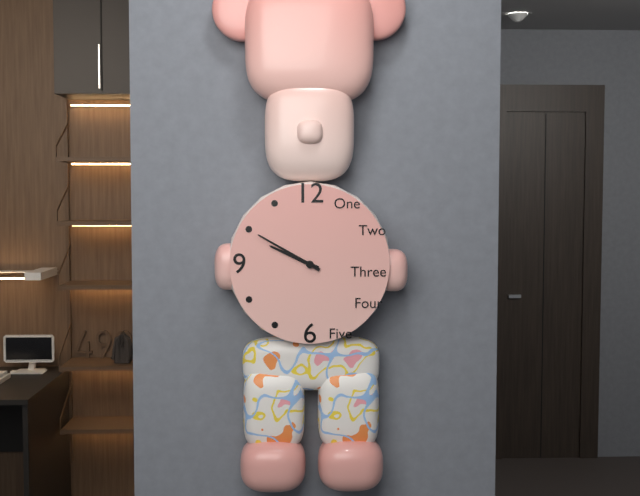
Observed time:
{"hour": 9, "minute": 50}
